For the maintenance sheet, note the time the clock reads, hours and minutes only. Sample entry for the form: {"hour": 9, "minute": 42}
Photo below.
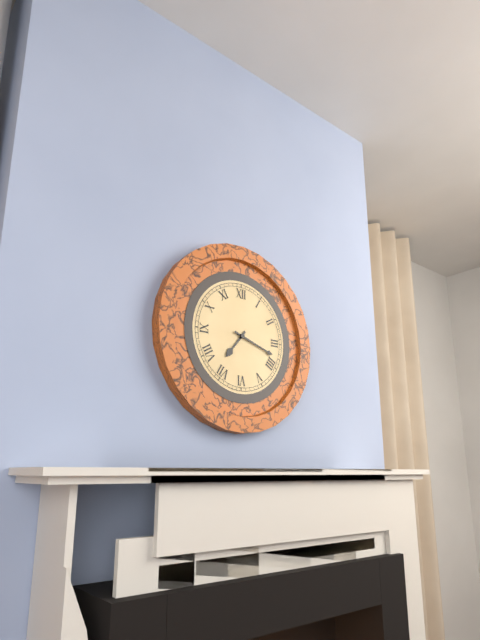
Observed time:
{"hour": 7, "minute": 18}
